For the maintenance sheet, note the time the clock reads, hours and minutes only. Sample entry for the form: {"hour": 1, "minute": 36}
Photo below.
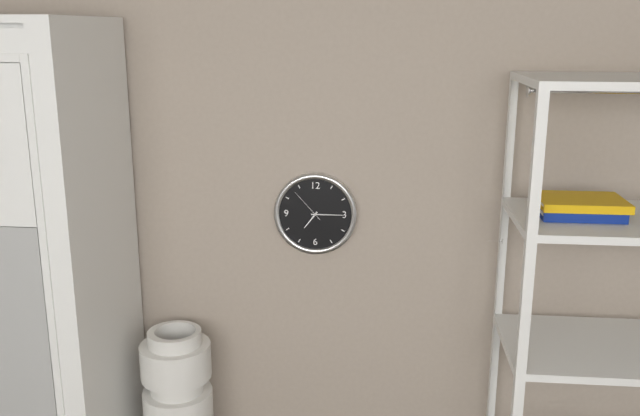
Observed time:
{"hour": 7, "minute": 15}
